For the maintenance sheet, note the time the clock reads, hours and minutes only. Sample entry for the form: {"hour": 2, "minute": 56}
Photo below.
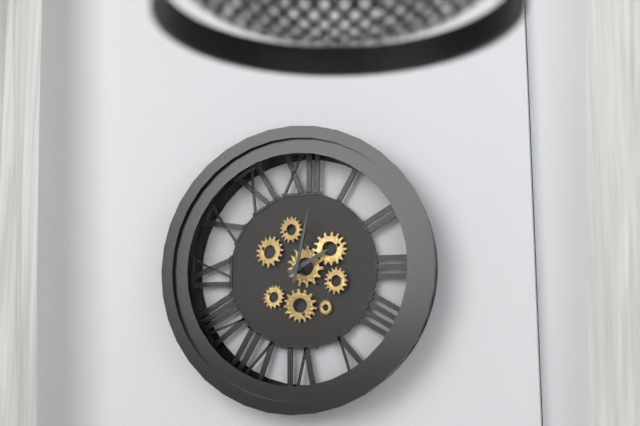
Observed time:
{"hour": 2, "minute": 2}
